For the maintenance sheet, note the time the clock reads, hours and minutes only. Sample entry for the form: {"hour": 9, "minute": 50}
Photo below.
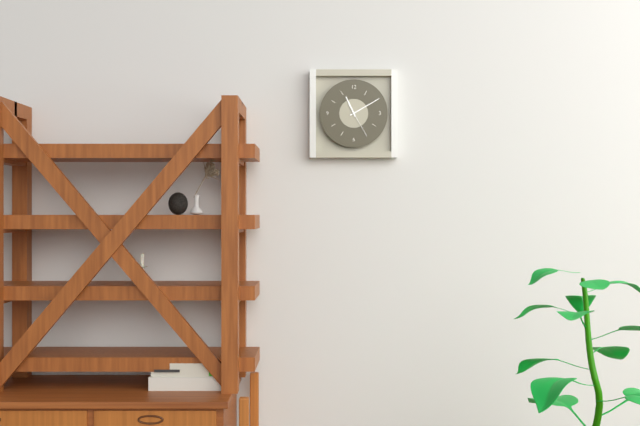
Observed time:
{"hour": 11, "minute": 10}
